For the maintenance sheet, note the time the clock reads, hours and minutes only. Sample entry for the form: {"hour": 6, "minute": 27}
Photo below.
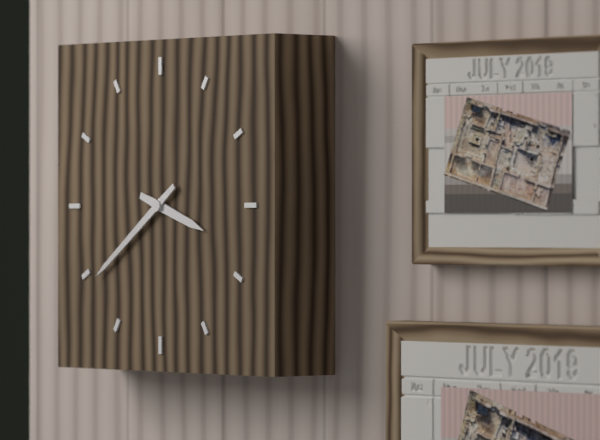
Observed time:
{"hour": 3, "minute": 39}
